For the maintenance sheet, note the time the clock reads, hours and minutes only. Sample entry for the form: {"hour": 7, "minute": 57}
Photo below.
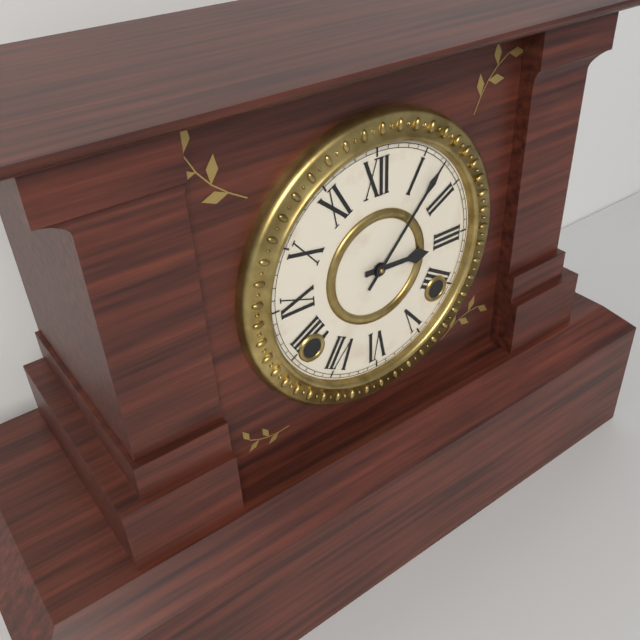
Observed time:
{"hour": 3, "minute": 7}
